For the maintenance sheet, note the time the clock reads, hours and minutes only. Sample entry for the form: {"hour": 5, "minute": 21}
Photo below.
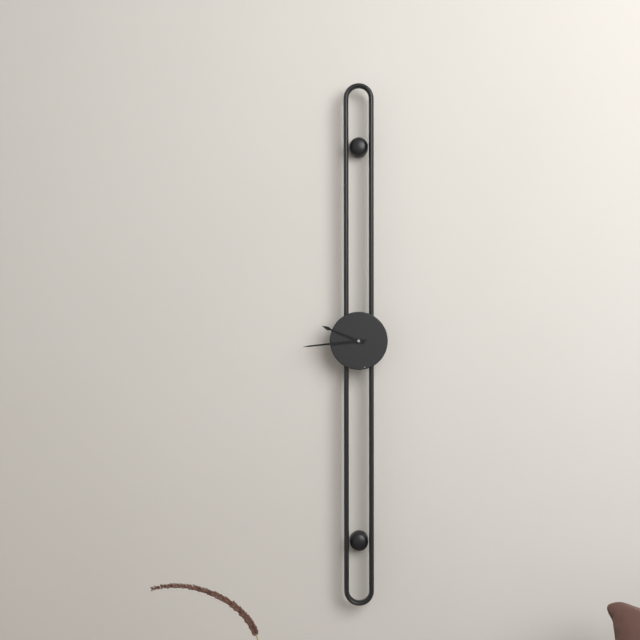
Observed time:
{"hour": 9, "minute": 44}
